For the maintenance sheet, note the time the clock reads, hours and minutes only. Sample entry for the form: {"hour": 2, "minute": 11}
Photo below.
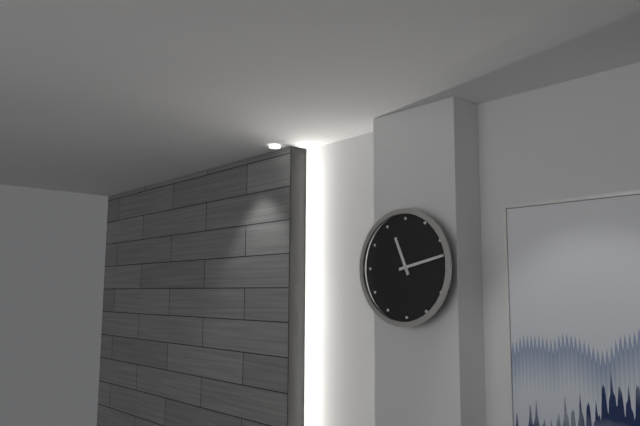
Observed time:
{"hour": 11, "minute": 13}
